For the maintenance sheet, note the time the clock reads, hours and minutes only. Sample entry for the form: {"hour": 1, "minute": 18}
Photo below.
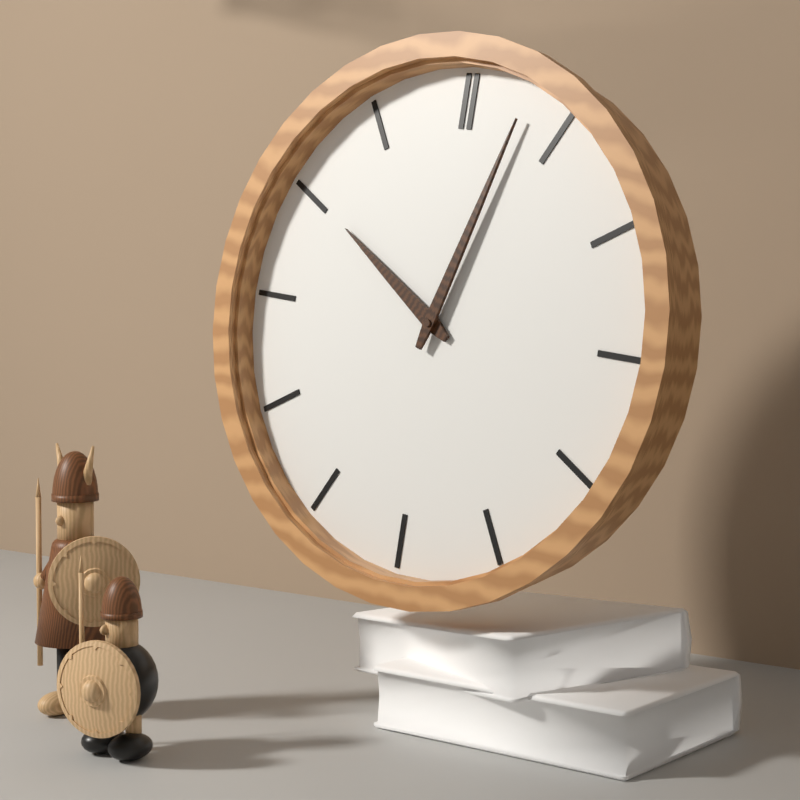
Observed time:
{"hour": 10, "minute": 3}
